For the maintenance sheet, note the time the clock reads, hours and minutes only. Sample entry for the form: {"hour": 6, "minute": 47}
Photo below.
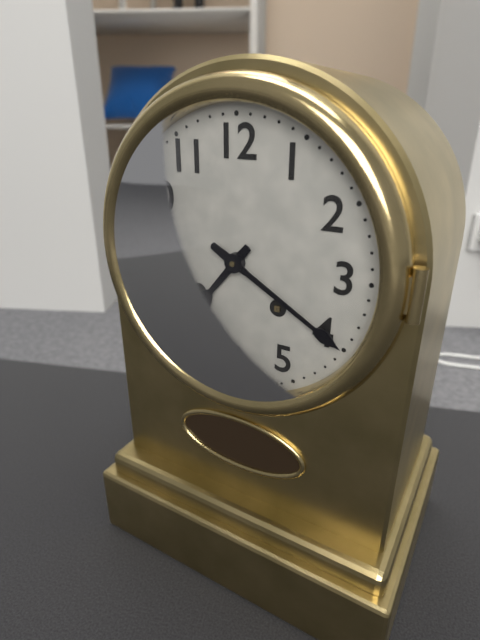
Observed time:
{"hour": 7, "minute": 20}
